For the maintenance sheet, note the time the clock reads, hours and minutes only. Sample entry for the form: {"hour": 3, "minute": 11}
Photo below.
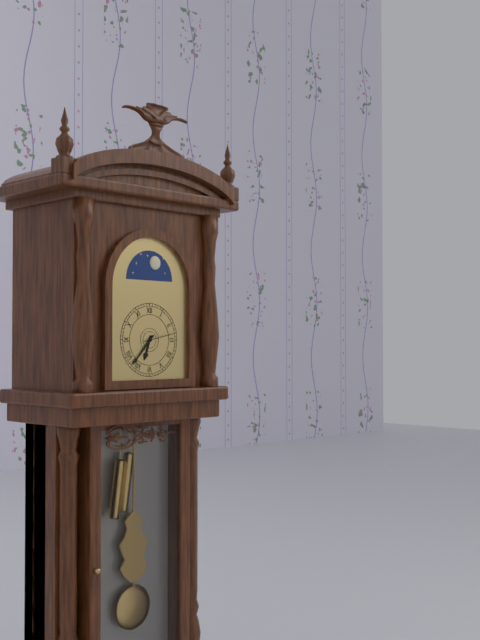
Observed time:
{"hour": 6, "minute": 37}
